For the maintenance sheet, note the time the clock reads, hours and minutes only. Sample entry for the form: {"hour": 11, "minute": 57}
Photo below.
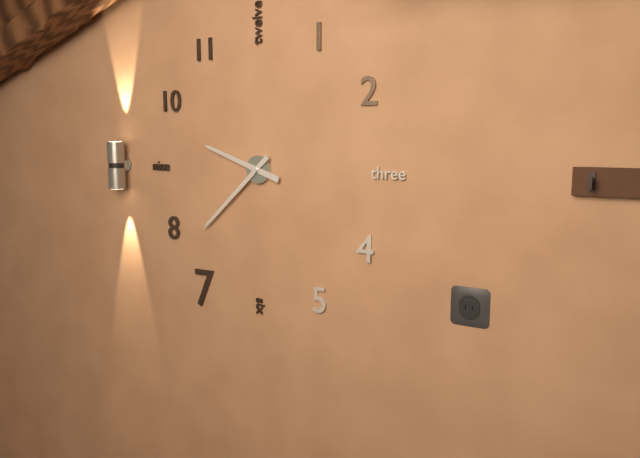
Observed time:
{"hour": 9, "minute": 38}
